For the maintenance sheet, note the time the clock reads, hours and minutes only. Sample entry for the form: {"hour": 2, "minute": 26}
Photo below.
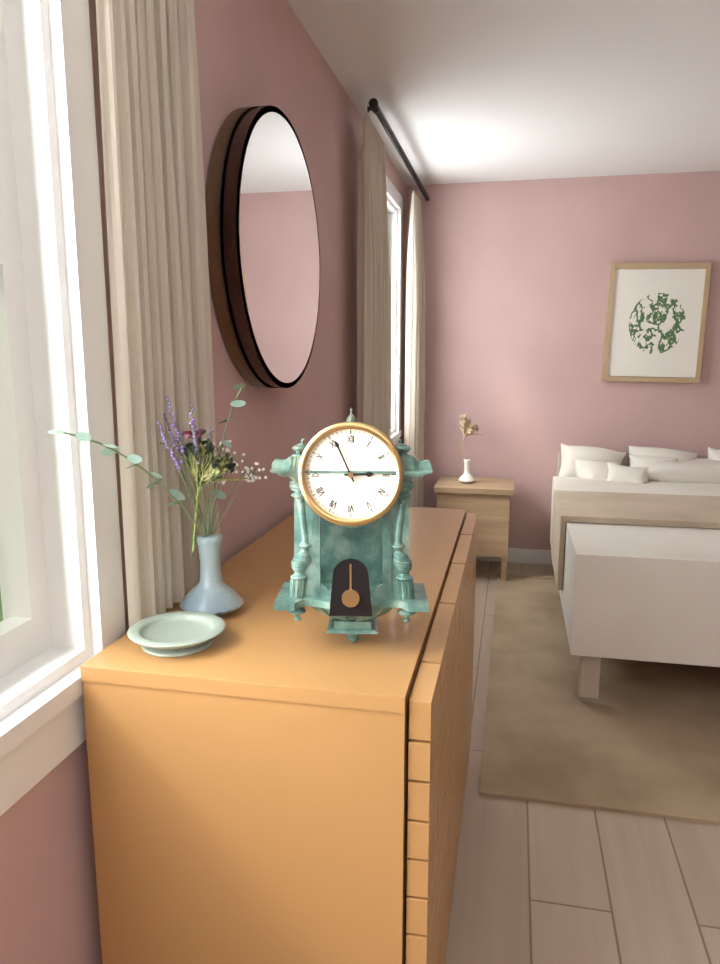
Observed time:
{"hour": 2, "minute": 56}
